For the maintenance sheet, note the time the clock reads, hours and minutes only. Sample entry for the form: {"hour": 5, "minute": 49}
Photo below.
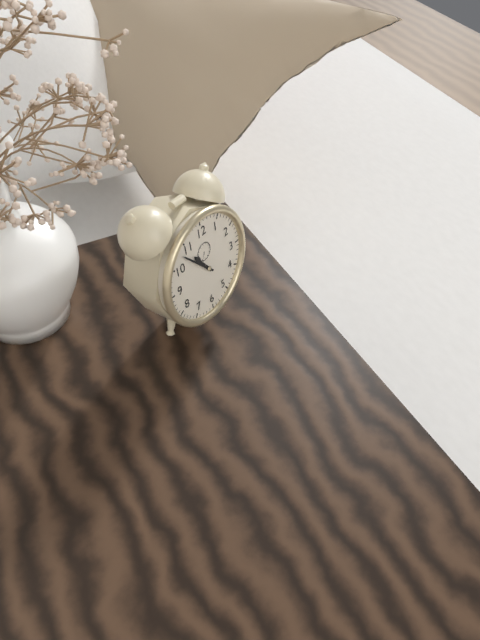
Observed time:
{"hour": 10, "minute": 53}
